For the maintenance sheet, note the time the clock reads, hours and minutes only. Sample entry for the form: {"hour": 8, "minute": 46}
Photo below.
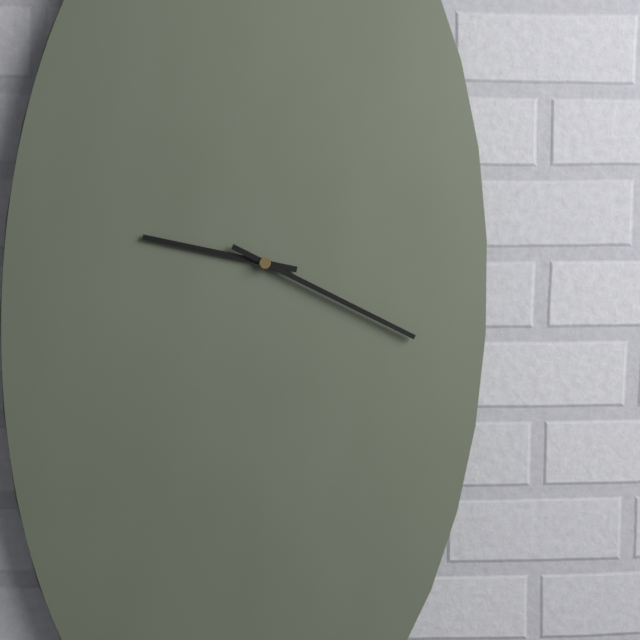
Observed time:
{"hour": 9, "minute": 19}
